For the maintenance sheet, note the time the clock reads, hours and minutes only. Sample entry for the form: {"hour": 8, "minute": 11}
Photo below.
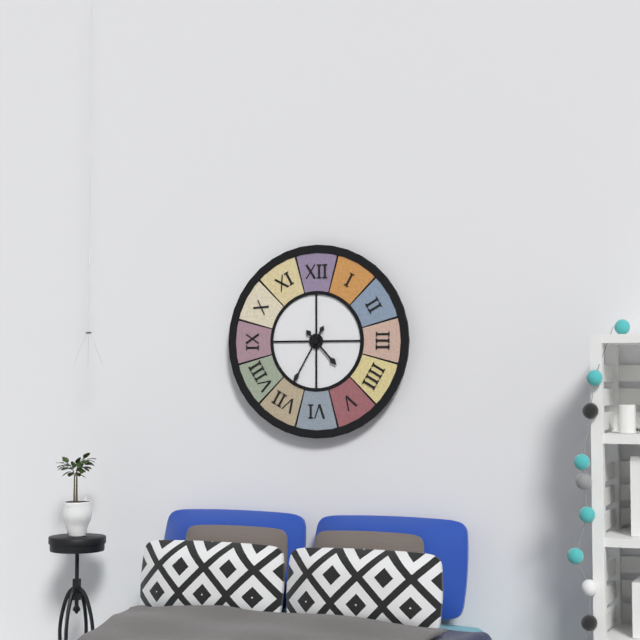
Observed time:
{"hour": 4, "minute": 35}
